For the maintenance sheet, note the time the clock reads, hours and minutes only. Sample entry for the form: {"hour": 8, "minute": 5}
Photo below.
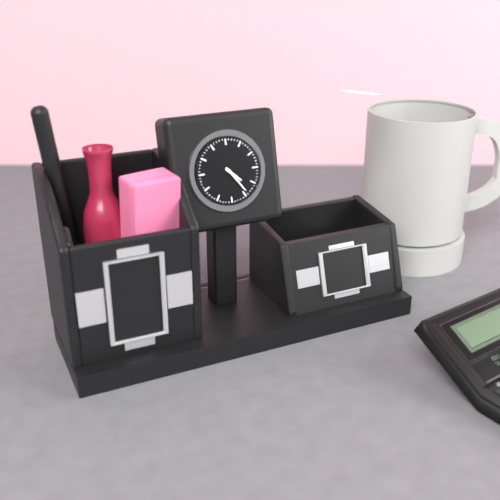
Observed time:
{"hour": 4, "minute": 24}
